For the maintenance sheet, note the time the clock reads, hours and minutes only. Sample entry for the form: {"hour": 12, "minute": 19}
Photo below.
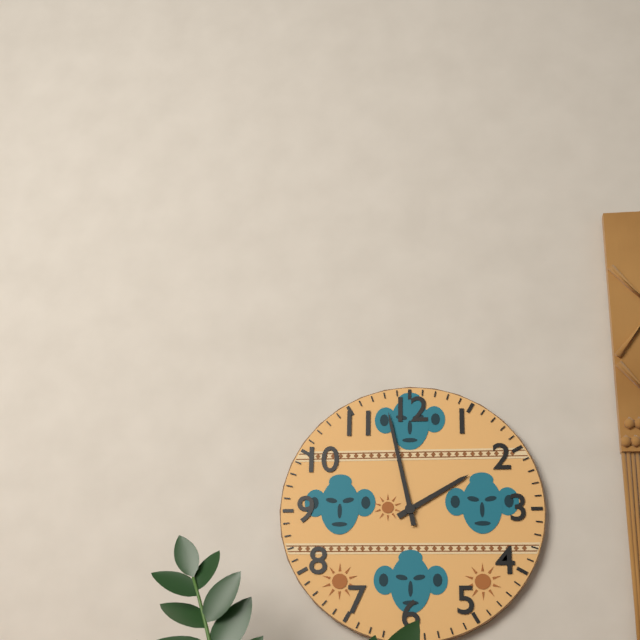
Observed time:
{"hour": 1, "minute": 58}
